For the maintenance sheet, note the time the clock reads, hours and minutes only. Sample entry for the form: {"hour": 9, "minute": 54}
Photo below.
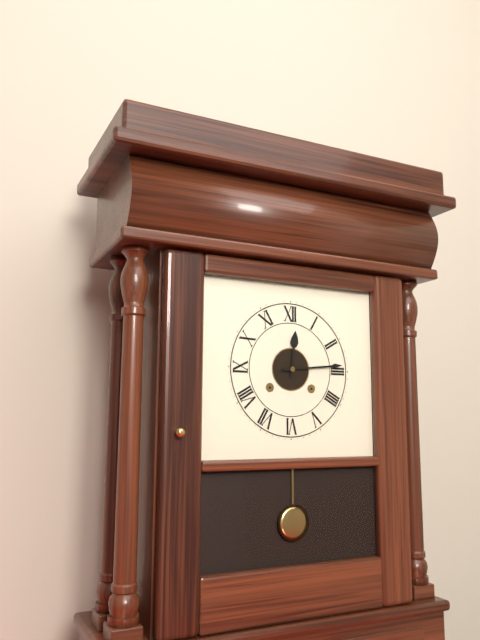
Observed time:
{"hour": 12, "minute": 14}
